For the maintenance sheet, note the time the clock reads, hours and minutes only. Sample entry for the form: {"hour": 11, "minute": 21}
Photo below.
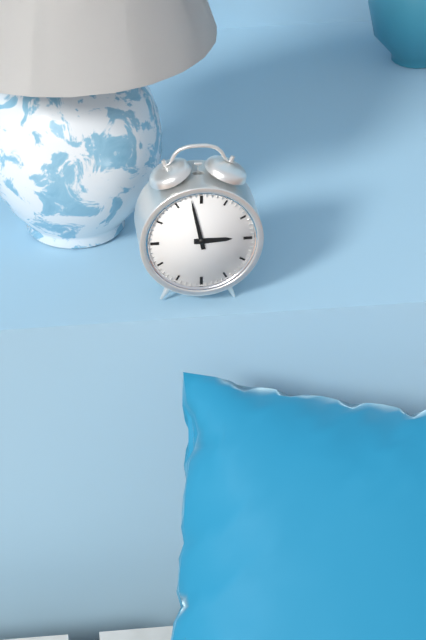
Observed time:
{"hour": 2, "minute": 58}
